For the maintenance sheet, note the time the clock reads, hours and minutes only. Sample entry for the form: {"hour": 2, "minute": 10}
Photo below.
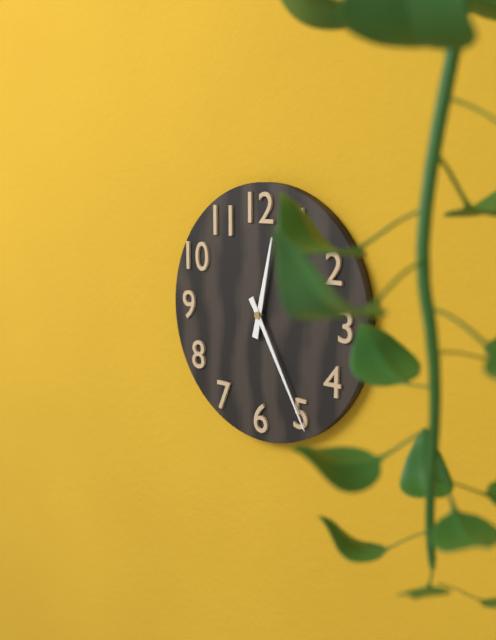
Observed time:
{"hour": 12, "minute": 25}
